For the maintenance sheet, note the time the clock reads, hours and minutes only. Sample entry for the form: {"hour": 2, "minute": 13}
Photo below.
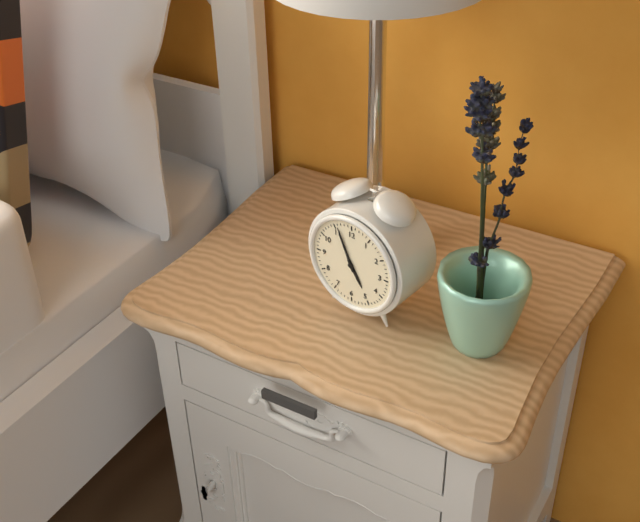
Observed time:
{"hour": 4, "minute": 56}
